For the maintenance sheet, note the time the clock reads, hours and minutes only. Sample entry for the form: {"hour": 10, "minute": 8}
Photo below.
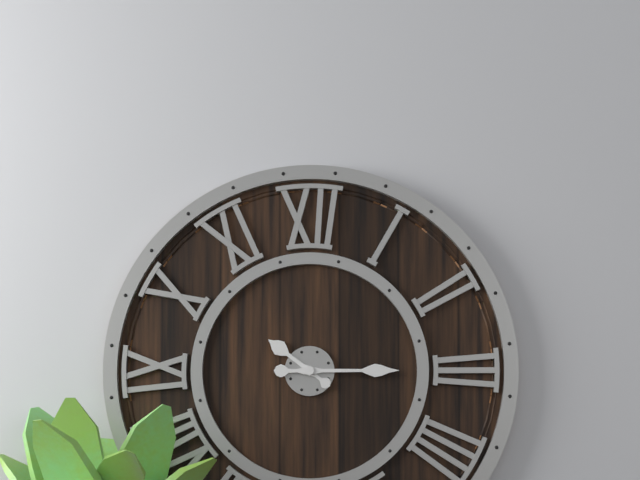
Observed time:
{"hour": 10, "minute": 15}
